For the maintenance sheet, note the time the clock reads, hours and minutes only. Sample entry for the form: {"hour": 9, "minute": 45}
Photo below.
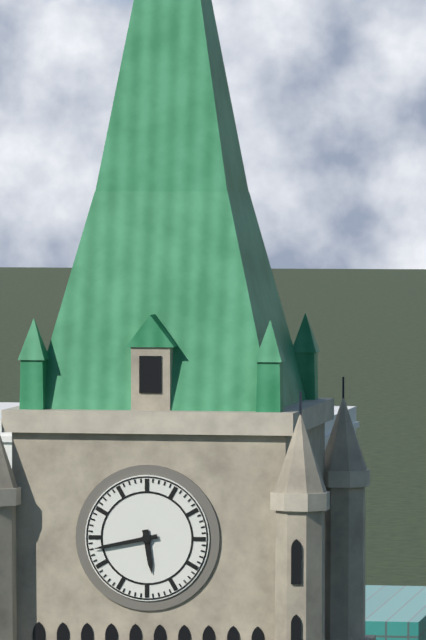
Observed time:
{"hour": 5, "minute": 43}
